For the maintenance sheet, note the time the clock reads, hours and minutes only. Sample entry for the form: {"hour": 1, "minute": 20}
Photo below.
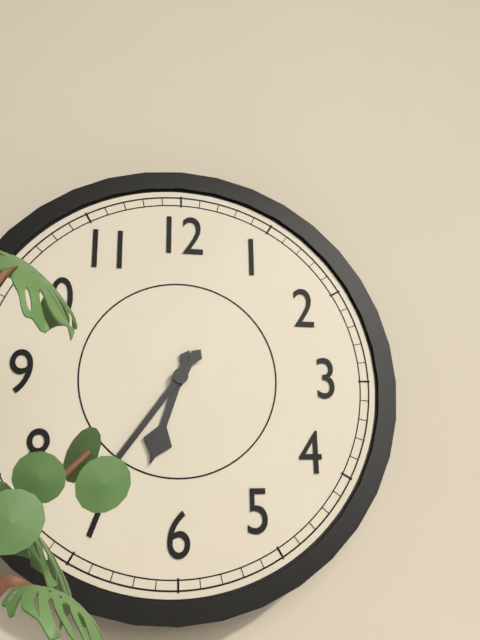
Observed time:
{"hour": 6, "minute": 36}
